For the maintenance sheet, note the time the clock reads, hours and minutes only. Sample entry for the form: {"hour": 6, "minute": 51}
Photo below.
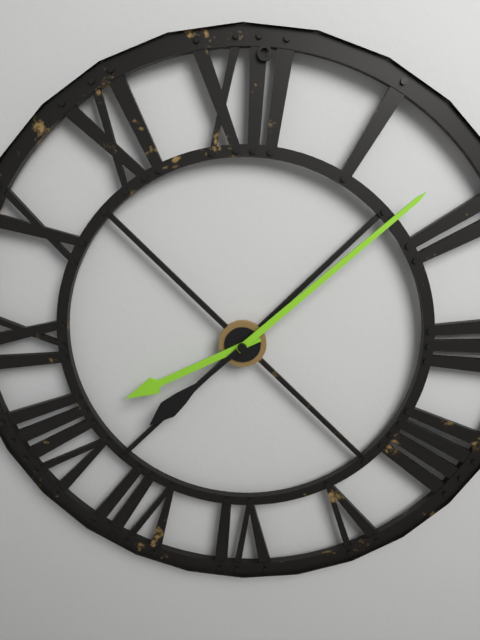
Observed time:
{"hour": 8, "minute": 8}
